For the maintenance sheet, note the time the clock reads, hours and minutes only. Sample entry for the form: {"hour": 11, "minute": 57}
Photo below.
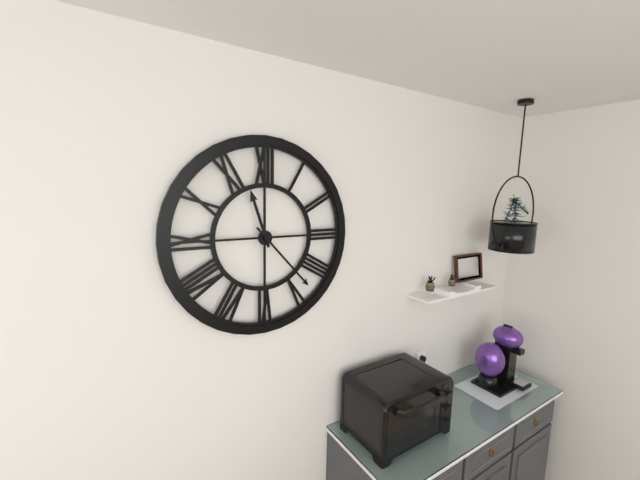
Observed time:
{"hour": 11, "minute": 23}
